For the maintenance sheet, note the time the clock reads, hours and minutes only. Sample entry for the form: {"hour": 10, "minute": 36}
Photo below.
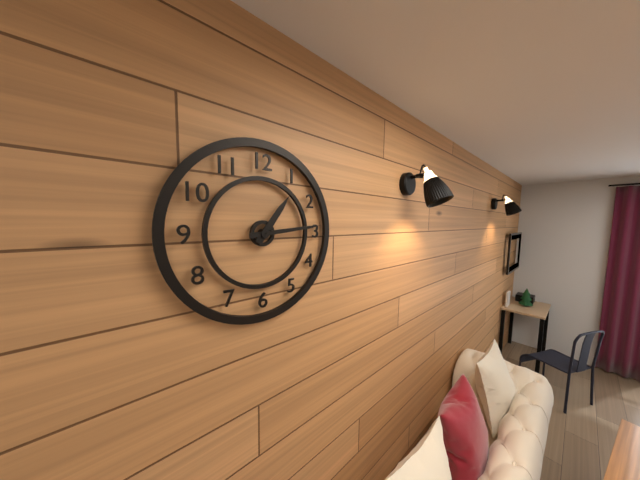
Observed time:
{"hour": 1, "minute": 14}
